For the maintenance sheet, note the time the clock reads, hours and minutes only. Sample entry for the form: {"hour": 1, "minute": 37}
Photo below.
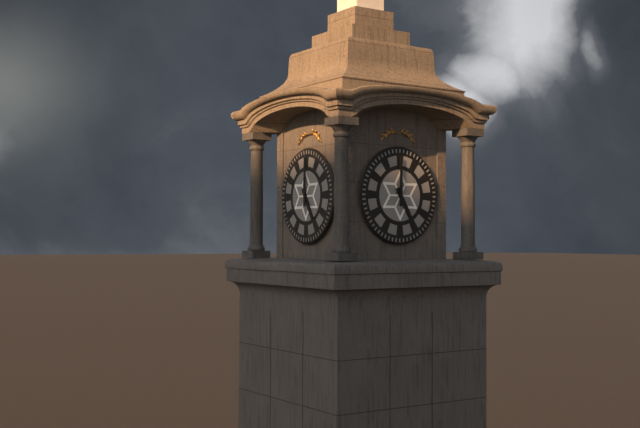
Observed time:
{"hour": 5, "minute": 0}
